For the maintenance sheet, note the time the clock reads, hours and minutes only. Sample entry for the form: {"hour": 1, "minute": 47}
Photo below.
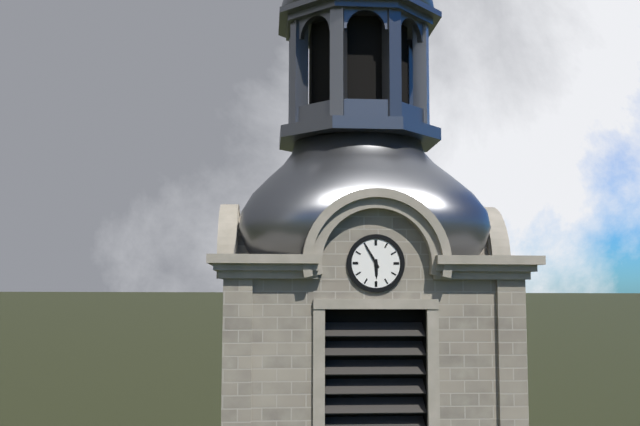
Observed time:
{"hour": 5, "minute": 55}
